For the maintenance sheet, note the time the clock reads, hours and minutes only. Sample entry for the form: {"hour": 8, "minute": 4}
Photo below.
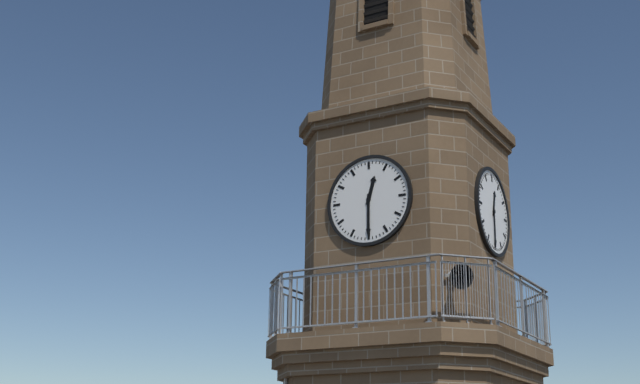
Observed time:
{"hour": 12, "minute": 30}
